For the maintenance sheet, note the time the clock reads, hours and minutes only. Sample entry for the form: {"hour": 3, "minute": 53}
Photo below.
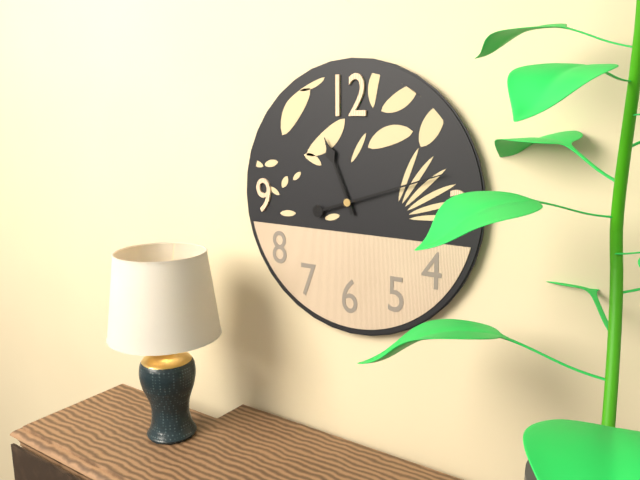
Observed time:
{"hour": 11, "minute": 12}
